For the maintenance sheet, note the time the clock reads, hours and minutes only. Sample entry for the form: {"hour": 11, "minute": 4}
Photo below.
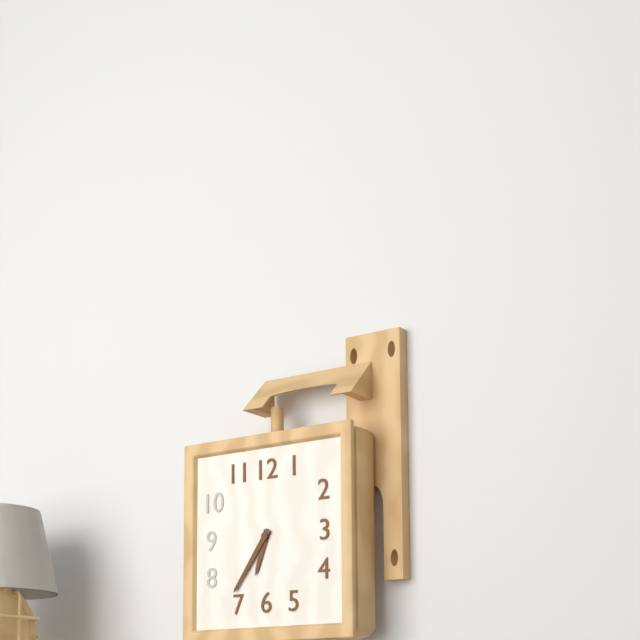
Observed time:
{"hour": 6, "minute": 36}
